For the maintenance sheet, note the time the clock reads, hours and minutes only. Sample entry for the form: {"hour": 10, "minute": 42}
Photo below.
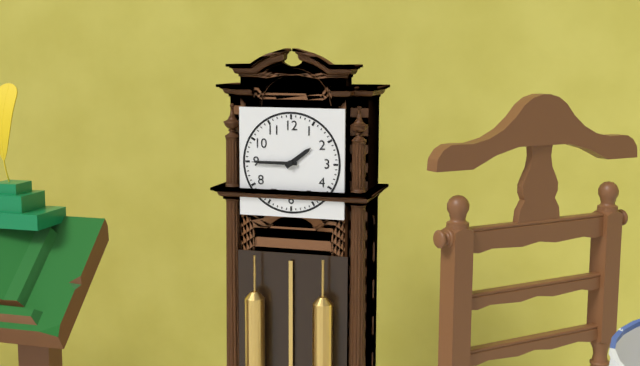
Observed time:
{"hour": 1, "minute": 45}
